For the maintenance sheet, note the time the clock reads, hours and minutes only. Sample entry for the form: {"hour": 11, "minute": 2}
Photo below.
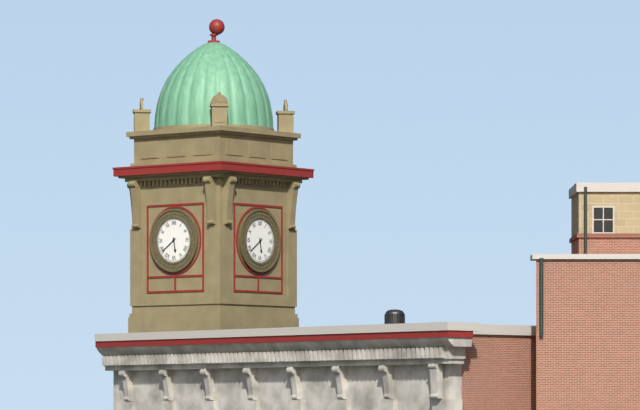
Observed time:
{"hour": 5, "minute": 39}
